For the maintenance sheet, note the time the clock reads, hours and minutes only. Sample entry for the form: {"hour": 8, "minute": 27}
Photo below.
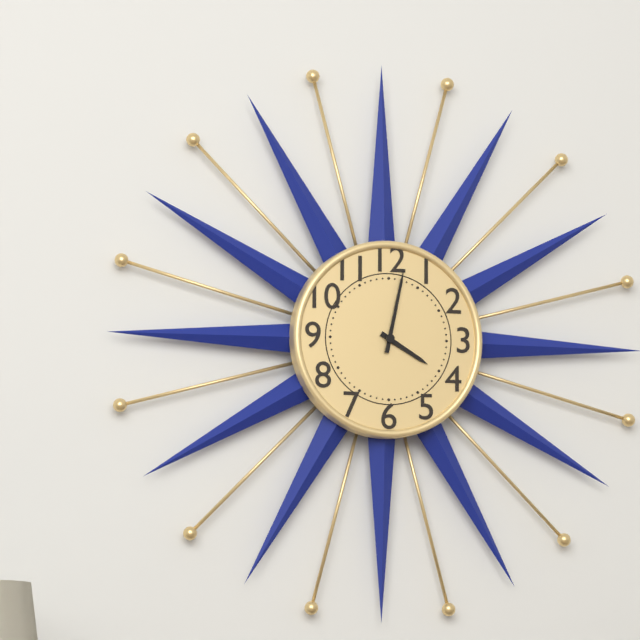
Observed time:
{"hour": 4, "minute": 2}
